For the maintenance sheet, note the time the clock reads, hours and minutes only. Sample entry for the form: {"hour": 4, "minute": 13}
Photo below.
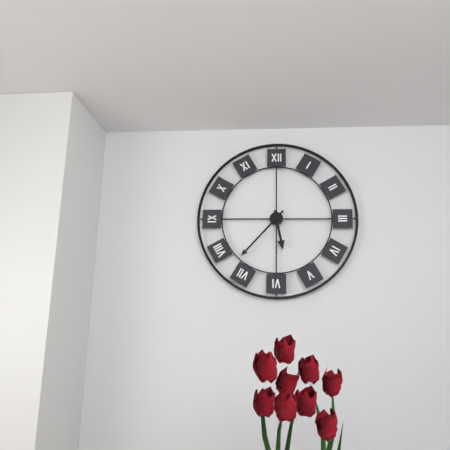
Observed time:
{"hour": 5, "minute": 37}
